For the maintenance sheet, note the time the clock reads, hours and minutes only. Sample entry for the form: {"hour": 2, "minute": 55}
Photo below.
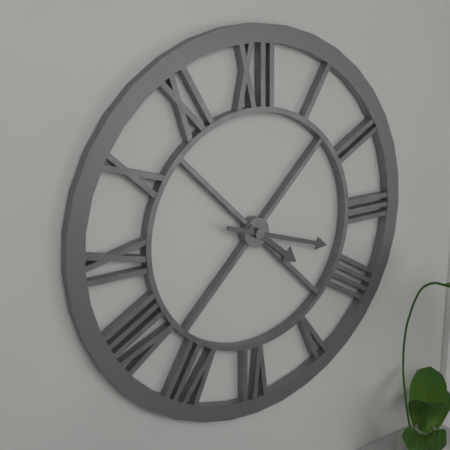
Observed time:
{"hour": 4, "minute": 18}
